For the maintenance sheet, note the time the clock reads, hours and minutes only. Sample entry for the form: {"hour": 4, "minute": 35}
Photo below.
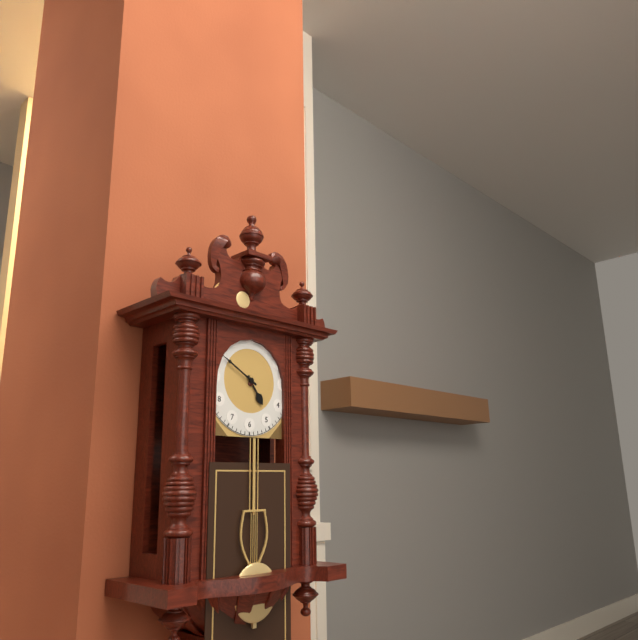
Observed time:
{"hour": 4, "minute": 50}
